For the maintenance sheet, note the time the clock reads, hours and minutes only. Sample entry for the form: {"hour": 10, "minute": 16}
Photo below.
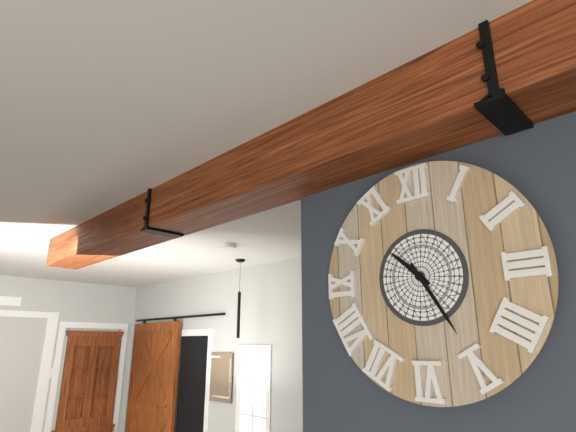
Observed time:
{"hour": 10, "minute": 25}
